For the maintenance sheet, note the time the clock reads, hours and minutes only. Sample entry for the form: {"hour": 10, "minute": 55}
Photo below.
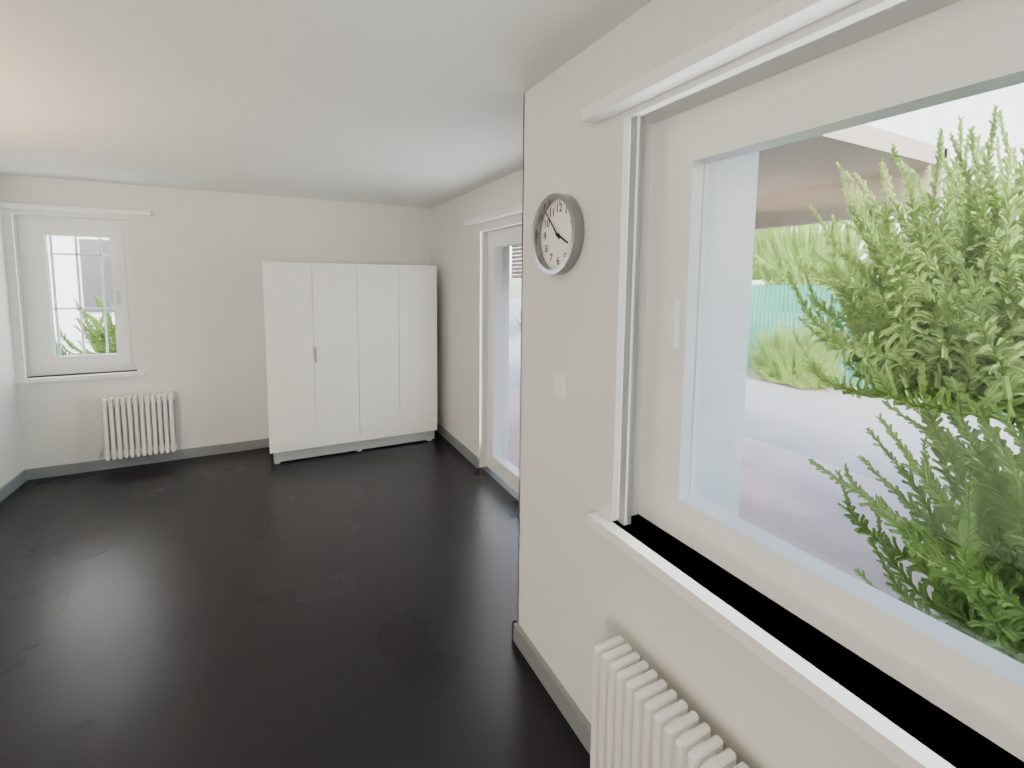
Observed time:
{"hour": 3, "minute": 53}
